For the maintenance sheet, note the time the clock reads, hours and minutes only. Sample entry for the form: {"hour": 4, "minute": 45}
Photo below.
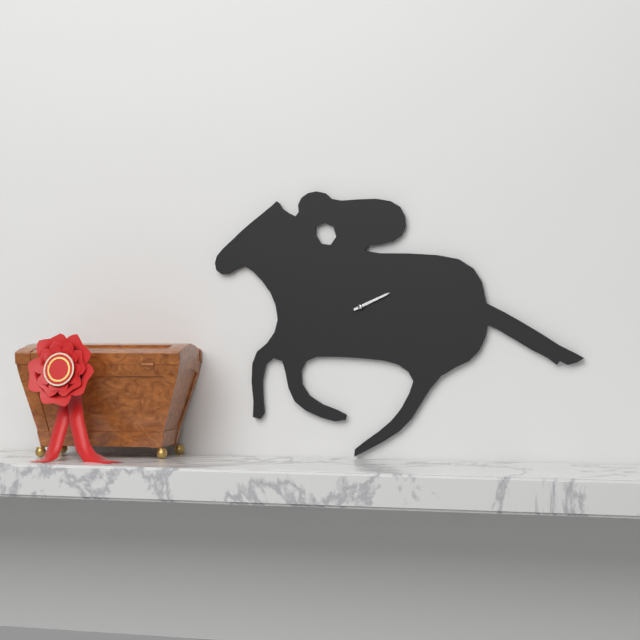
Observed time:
{"hour": 2, "minute": 11}
